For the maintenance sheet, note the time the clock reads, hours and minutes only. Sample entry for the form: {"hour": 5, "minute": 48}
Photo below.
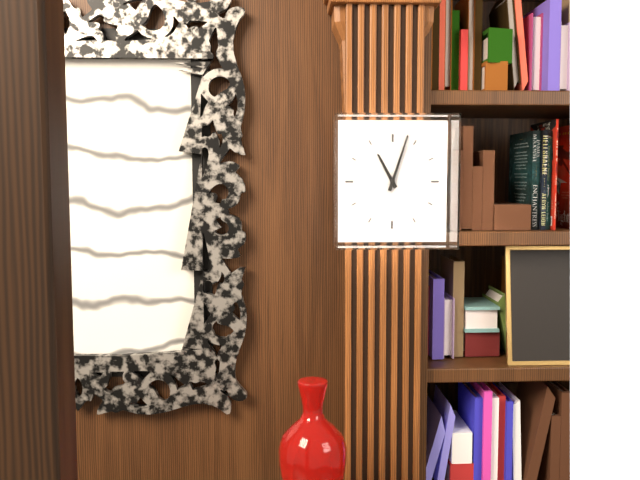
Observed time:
{"hour": 11, "minute": 3}
